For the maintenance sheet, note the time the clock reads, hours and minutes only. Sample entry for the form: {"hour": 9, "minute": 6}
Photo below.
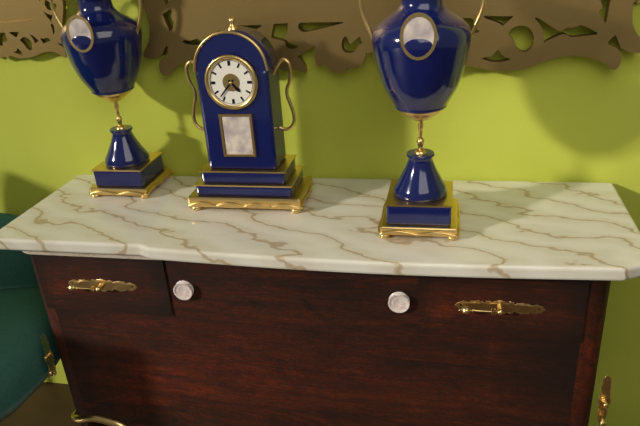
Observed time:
{"hour": 4, "minute": 37}
